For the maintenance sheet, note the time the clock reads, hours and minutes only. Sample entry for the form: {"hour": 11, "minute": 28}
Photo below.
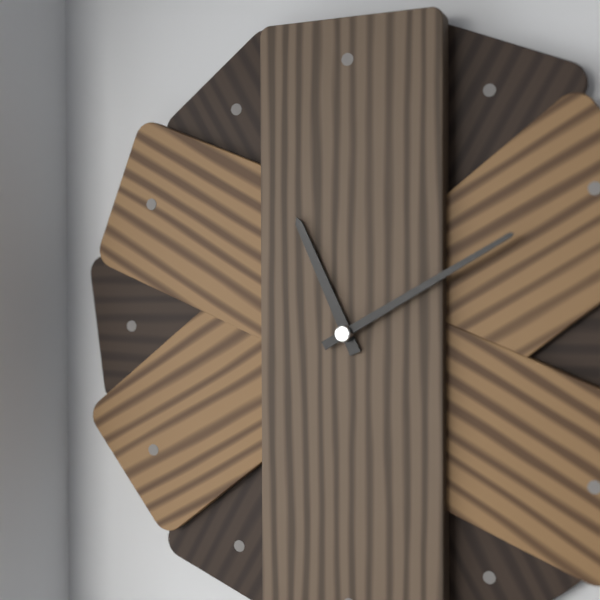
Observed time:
{"hour": 11, "minute": 10}
